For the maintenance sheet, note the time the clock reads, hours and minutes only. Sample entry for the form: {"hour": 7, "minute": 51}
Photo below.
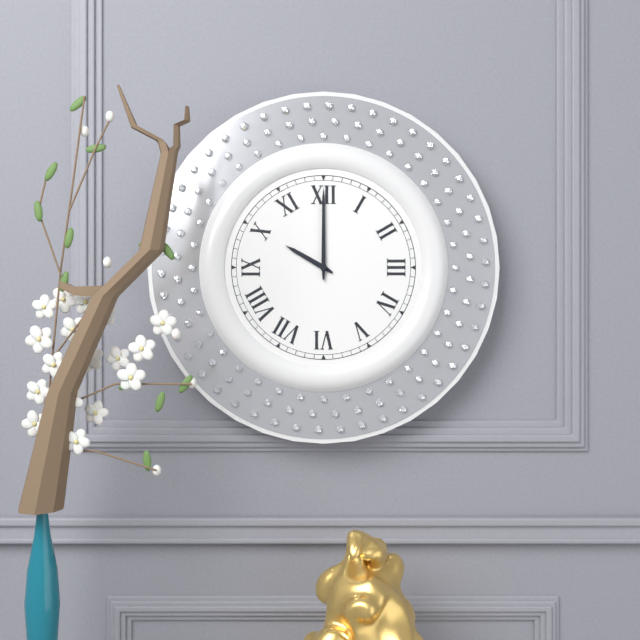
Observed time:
{"hour": 10, "minute": 0}
